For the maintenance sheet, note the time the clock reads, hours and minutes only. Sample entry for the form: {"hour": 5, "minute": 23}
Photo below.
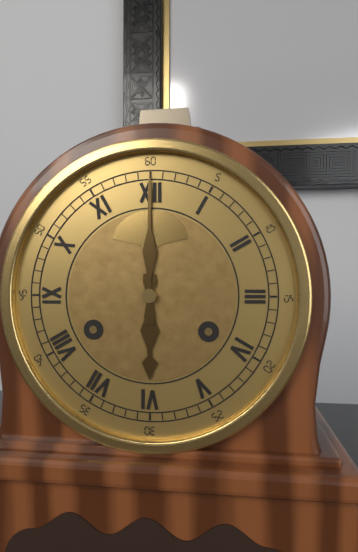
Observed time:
{"hour": 6, "minute": 0}
